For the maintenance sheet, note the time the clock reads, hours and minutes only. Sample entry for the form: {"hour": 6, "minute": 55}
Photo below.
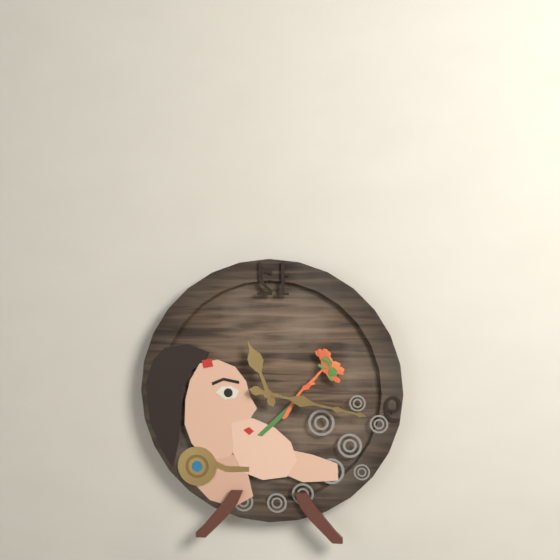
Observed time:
{"hour": 11, "minute": 17}
